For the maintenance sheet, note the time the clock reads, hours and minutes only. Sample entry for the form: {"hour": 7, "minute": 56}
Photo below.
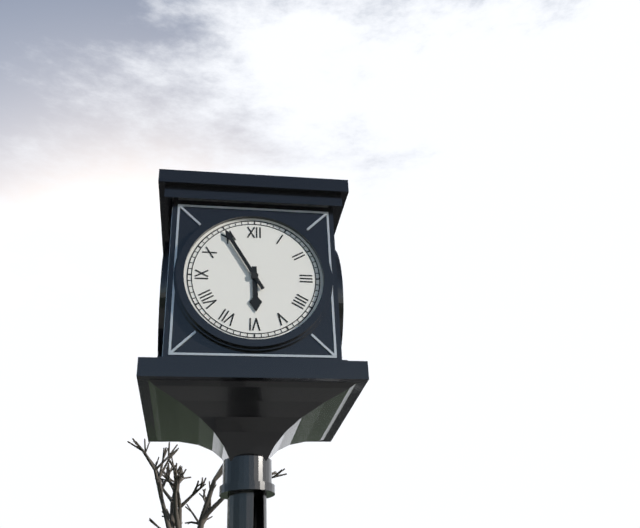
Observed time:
{"hour": 5, "minute": 55}
